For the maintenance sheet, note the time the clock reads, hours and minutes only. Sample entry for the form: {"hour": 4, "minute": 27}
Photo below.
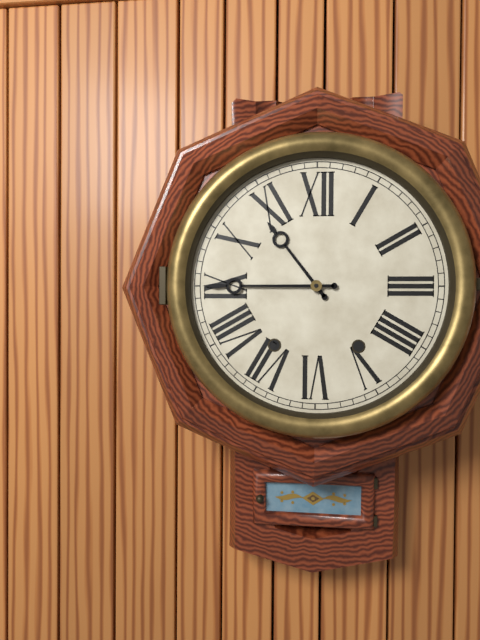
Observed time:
{"hour": 10, "minute": 45}
